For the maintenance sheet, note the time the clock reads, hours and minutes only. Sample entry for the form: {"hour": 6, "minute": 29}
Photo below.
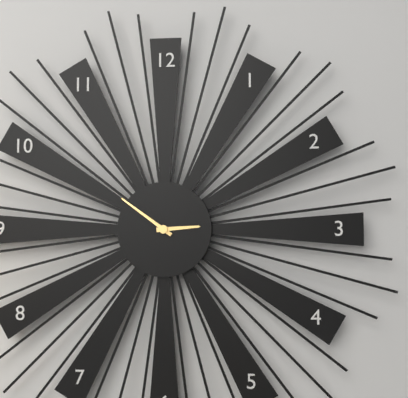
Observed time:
{"hour": 2, "minute": 51}
